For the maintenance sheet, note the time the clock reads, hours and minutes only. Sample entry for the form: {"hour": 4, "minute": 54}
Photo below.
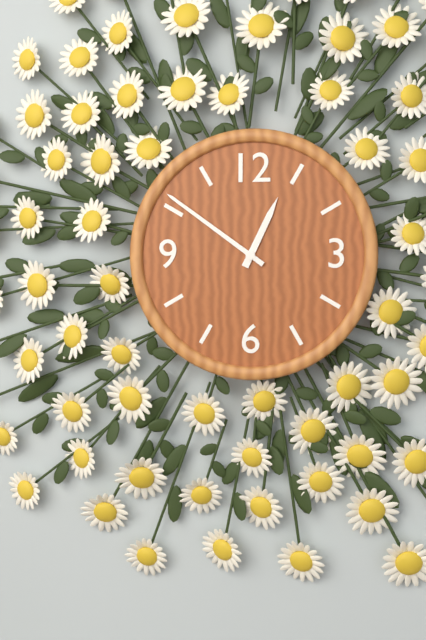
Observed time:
{"hour": 12, "minute": 51}
